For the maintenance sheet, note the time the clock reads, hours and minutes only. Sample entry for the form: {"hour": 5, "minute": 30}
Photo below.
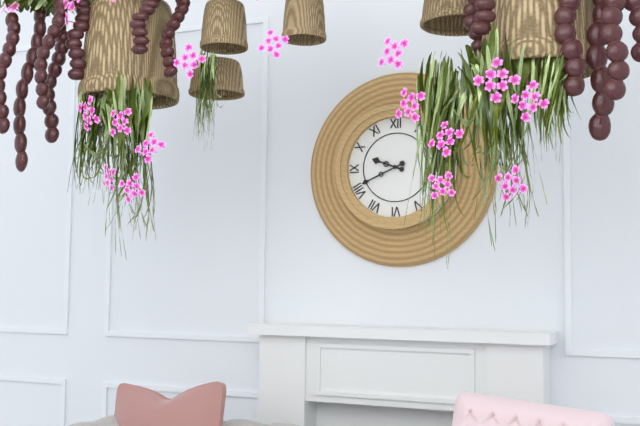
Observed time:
{"hour": 9, "minute": 41}
